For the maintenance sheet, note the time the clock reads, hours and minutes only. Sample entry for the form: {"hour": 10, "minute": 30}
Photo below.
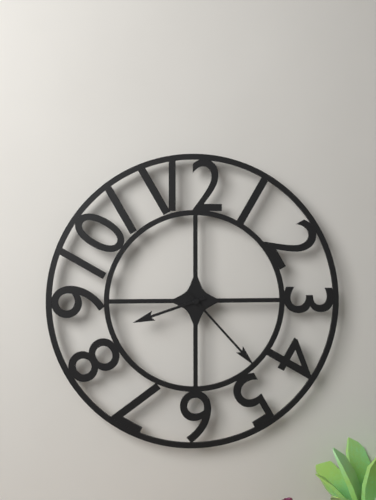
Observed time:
{"hour": 8, "minute": 23}
